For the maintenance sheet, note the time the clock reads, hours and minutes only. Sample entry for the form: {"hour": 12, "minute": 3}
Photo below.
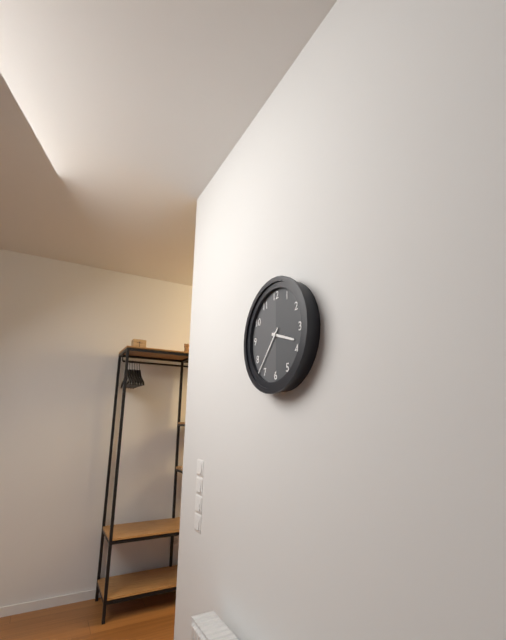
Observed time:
{"hour": 3, "minute": 37}
